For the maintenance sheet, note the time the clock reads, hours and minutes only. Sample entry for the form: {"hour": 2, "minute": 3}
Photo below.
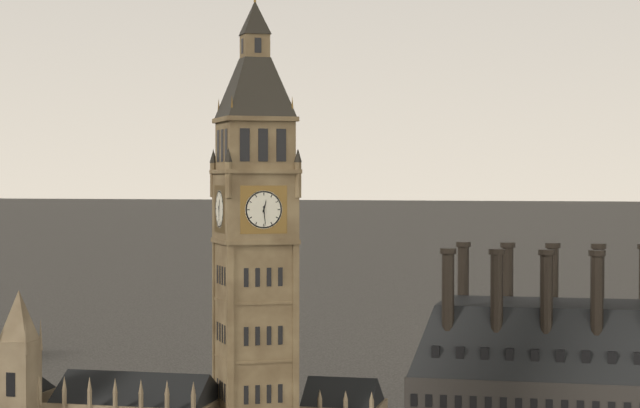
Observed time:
{"hour": 12, "minute": 29}
